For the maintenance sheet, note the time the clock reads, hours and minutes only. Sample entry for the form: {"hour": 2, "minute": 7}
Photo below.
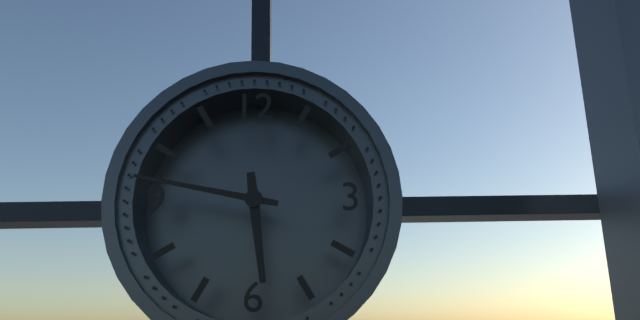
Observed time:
{"hour": 5, "minute": 47}
